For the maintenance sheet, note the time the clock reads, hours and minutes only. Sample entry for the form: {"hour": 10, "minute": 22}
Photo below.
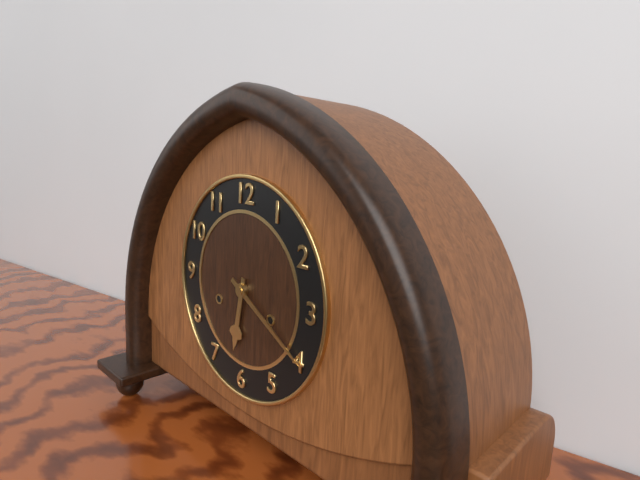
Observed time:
{"hour": 6, "minute": 20}
